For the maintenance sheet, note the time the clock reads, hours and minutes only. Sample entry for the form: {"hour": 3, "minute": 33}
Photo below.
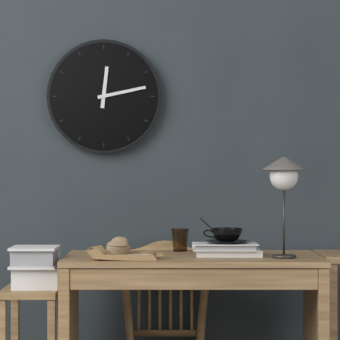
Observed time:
{"hour": 12, "minute": 13}
